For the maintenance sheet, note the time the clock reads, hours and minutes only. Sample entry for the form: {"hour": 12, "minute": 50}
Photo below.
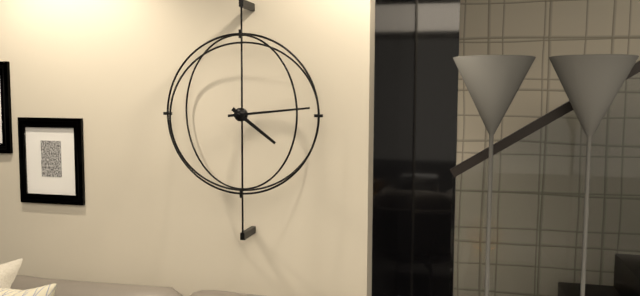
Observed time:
{"hour": 4, "minute": 14}
